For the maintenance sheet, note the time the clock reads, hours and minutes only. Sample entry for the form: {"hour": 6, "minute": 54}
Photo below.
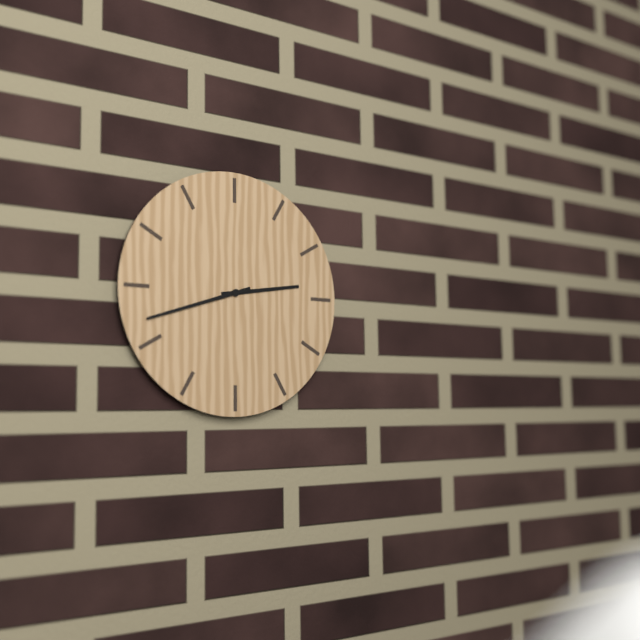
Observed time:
{"hour": 2, "minute": 42}
